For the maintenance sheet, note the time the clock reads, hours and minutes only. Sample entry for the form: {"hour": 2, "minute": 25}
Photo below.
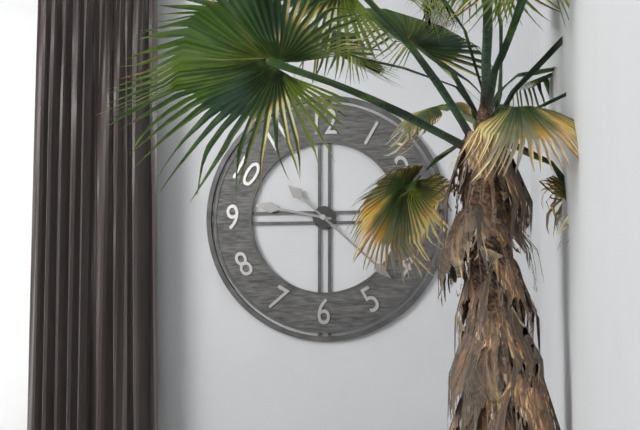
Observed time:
{"hour": 9, "minute": 22}
